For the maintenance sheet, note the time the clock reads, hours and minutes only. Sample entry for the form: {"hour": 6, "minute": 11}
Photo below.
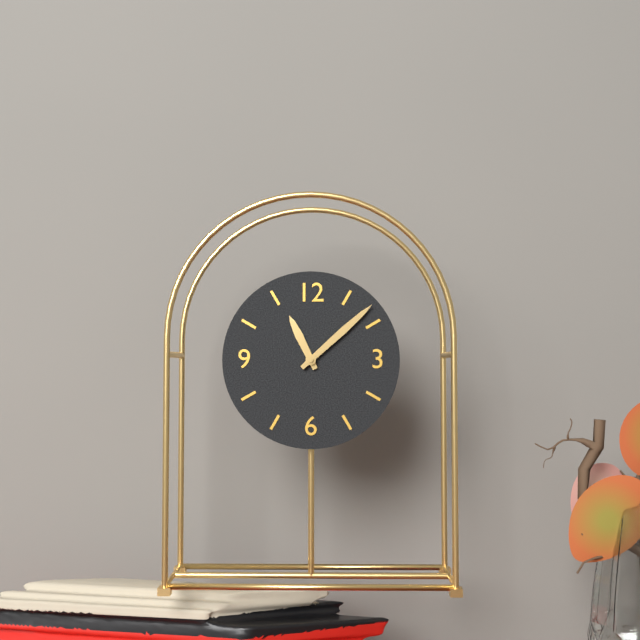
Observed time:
{"hour": 11, "minute": 8}
